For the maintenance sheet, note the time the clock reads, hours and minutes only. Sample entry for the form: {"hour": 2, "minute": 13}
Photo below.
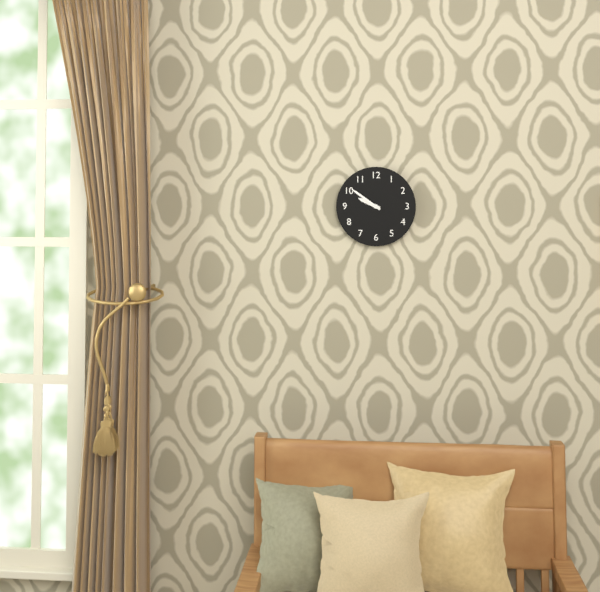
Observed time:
{"hour": 9, "minute": 51}
